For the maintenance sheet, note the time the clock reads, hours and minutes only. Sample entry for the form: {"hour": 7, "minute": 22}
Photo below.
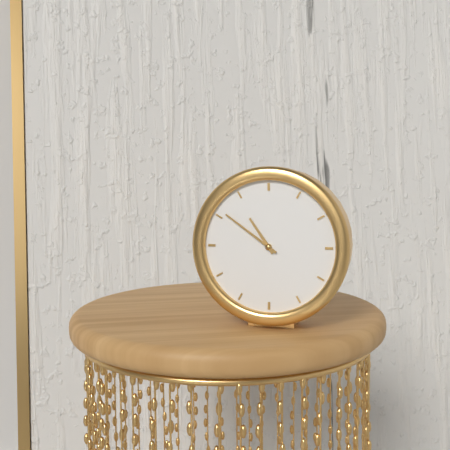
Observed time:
{"hour": 10, "minute": 51}
